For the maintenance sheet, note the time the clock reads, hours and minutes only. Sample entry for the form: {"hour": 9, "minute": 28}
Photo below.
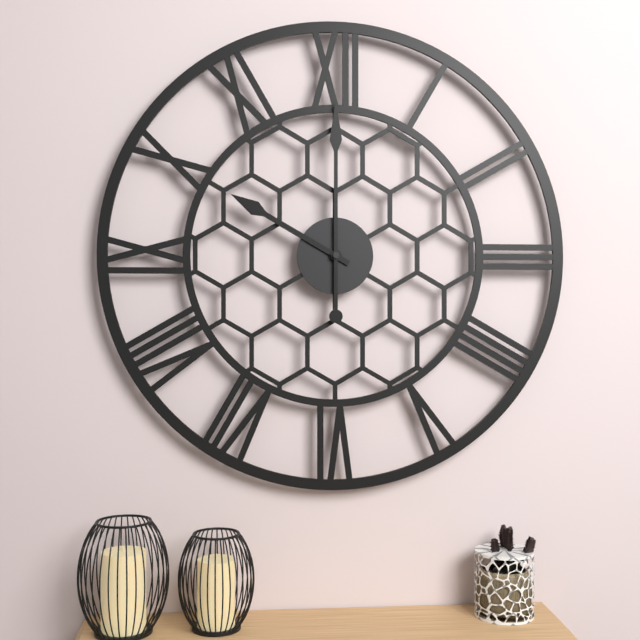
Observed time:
{"hour": 10, "minute": 0}
